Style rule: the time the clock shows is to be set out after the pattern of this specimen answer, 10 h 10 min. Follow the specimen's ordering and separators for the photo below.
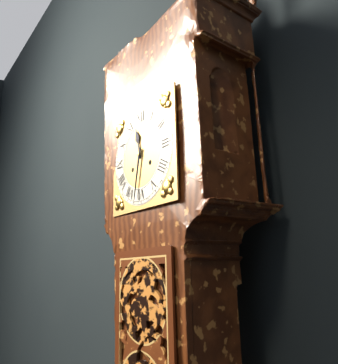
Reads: 11 h 32 min
